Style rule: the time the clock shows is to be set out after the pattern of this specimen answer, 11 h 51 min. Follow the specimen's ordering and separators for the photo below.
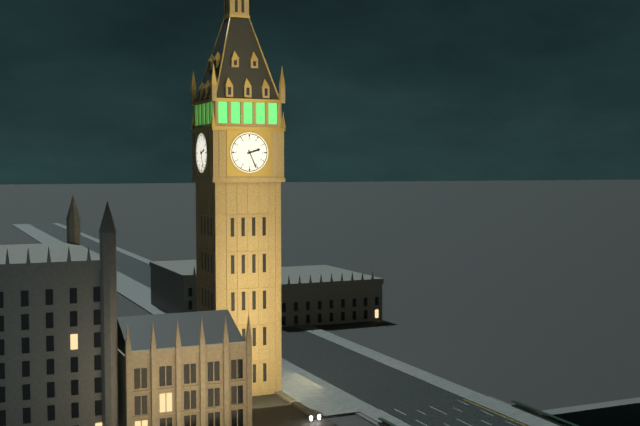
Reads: 2 h 26 min
